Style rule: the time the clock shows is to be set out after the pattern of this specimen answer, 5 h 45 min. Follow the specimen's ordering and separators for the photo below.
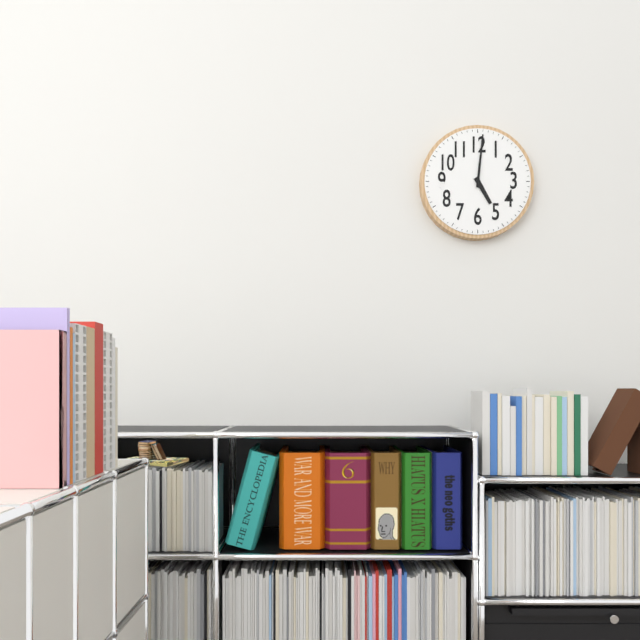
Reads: 5 h 01 min
